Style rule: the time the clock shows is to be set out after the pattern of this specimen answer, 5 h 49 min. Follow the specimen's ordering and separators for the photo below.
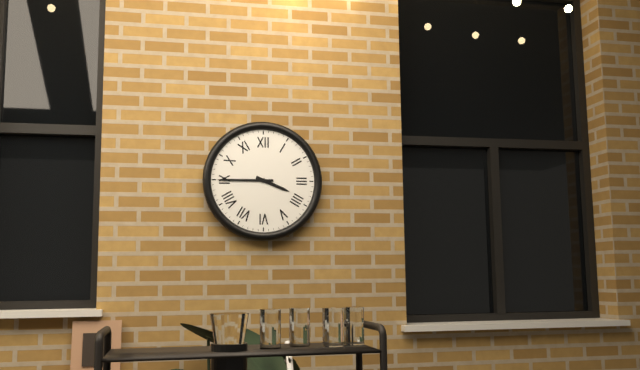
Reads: 3 h 45 min
